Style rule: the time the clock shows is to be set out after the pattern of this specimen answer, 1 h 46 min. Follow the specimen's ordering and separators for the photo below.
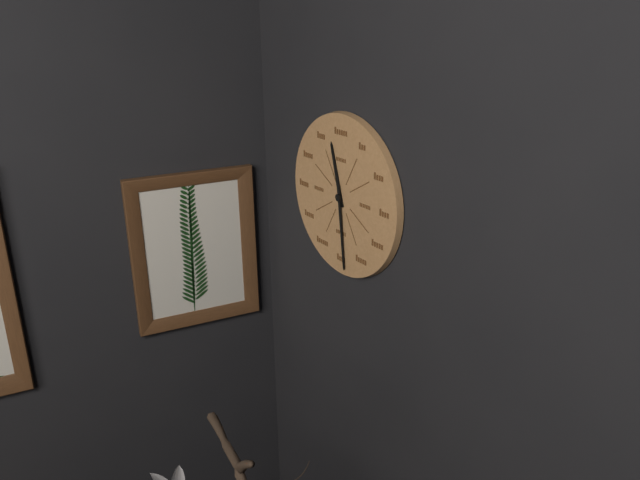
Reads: 11 h 29 min
